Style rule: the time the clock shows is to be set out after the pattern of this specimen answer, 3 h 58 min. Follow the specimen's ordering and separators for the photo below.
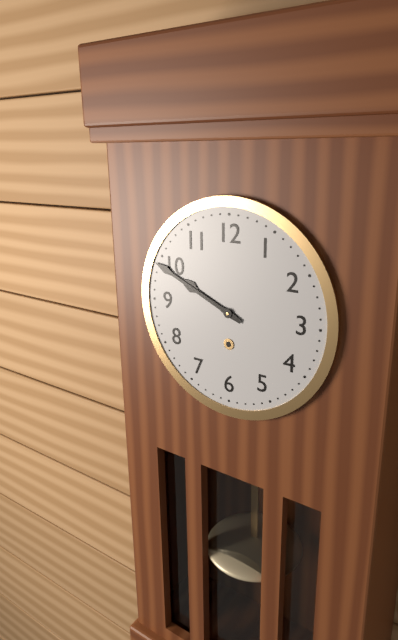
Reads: 9 h 49 min
